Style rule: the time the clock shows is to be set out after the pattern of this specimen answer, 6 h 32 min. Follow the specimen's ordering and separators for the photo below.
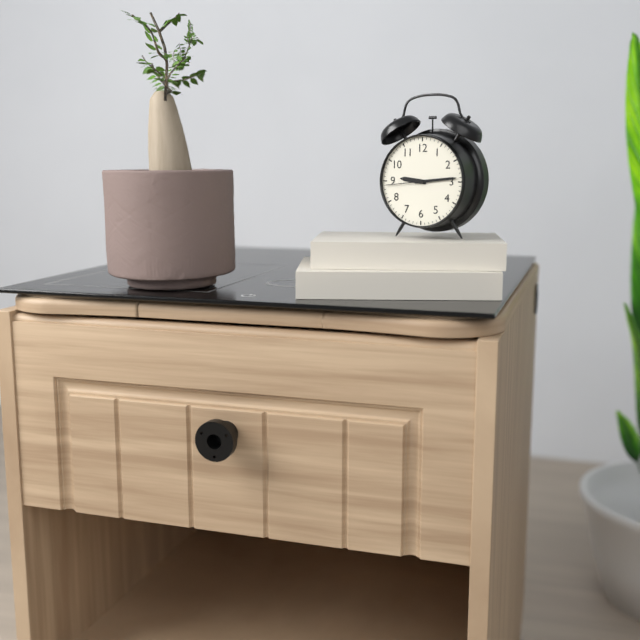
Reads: 9 h 14 min
